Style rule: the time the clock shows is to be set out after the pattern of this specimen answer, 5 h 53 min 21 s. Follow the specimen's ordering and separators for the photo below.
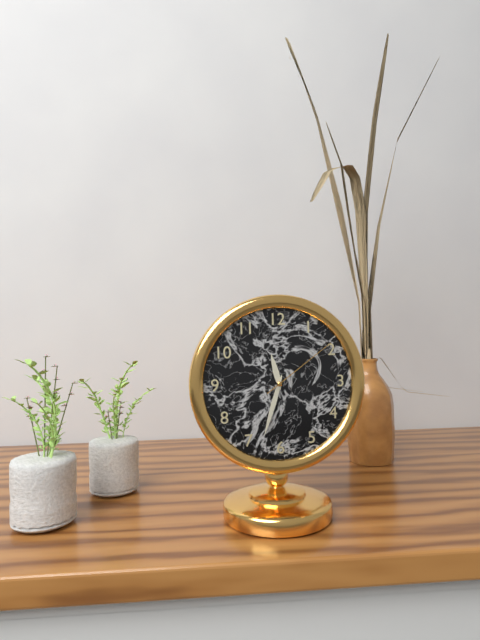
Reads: 11 h 33 min 09 s
